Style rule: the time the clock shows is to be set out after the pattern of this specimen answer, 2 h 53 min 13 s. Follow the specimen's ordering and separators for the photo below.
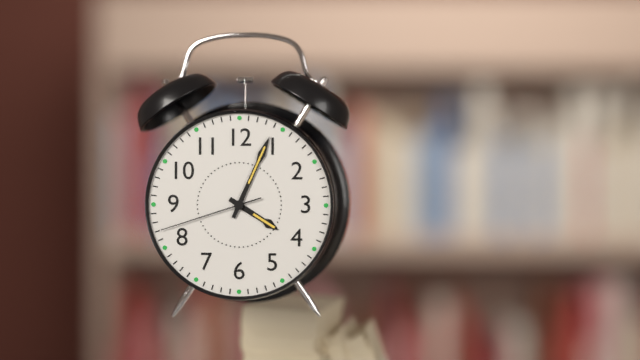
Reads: 4 h 04 min 42 s
